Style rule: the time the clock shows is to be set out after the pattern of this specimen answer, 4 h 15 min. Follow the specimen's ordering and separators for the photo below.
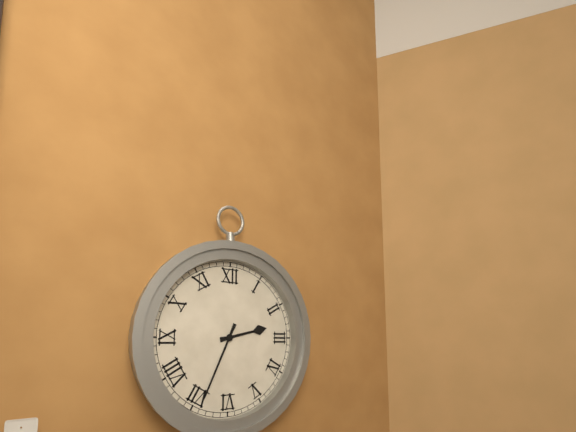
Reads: 2 h 34 min
